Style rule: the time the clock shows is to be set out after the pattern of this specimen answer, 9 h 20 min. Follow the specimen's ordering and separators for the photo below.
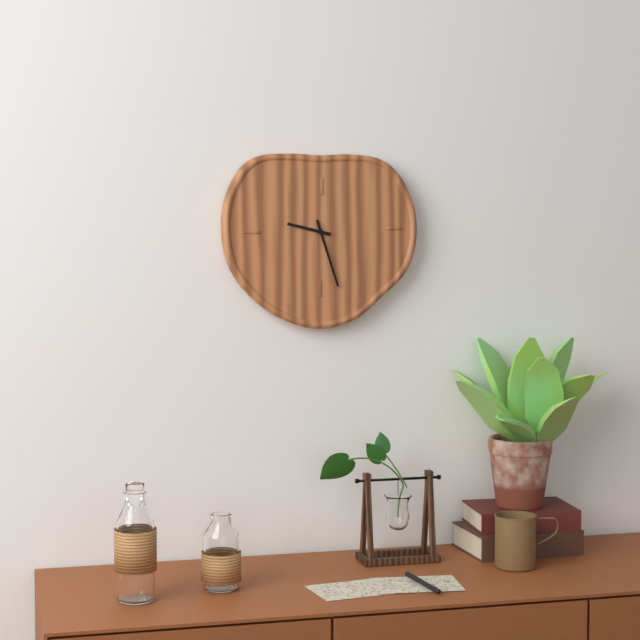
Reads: 9 h 27 min
